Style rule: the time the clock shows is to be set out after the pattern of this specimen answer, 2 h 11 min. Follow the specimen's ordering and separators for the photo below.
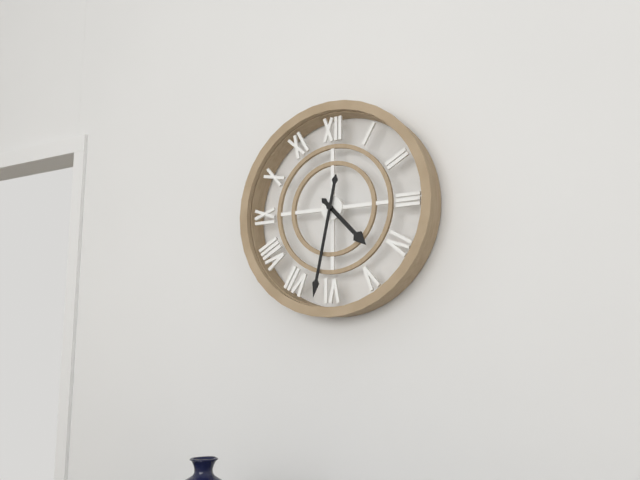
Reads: 4 h 32 min
